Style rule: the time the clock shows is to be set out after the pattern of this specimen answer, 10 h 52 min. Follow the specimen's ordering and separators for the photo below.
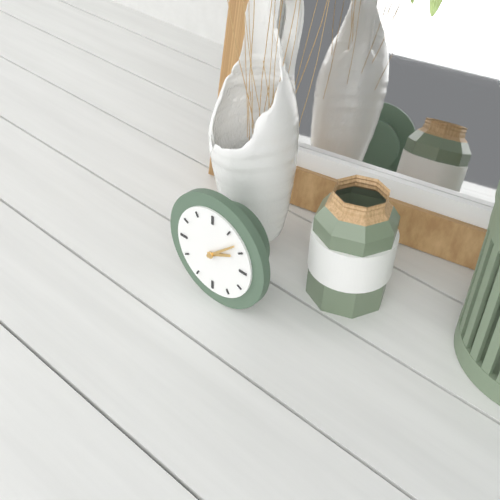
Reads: 2 h 08 min
